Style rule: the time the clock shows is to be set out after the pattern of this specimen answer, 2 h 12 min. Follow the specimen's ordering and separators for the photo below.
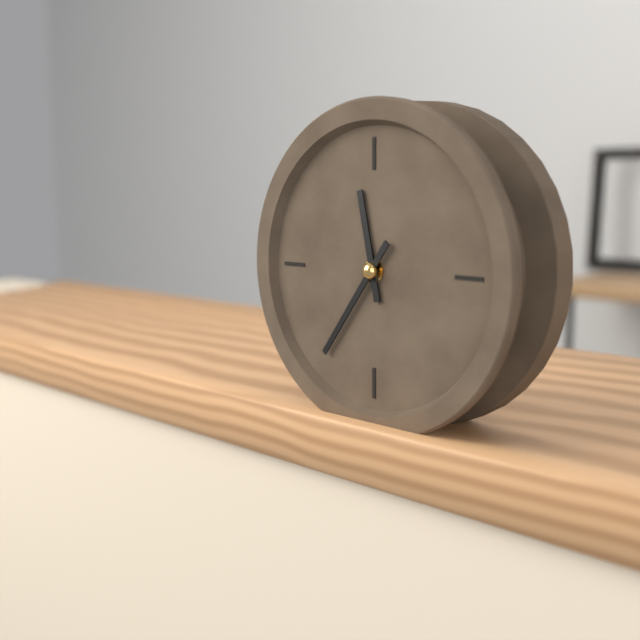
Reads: 11 h 36 min
